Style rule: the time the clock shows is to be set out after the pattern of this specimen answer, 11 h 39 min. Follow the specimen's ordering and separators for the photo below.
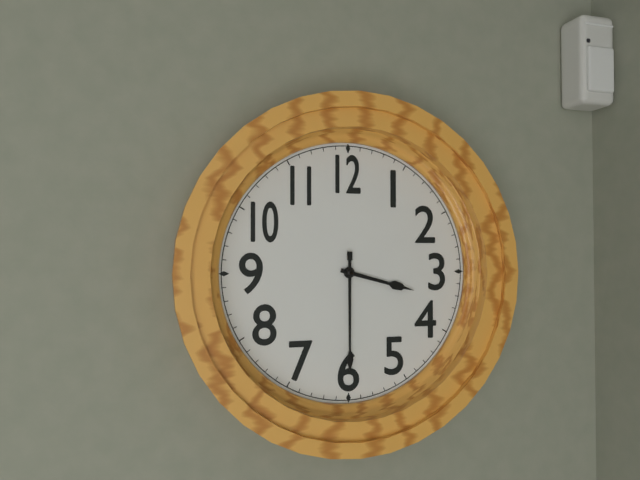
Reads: 3 h 30 min
